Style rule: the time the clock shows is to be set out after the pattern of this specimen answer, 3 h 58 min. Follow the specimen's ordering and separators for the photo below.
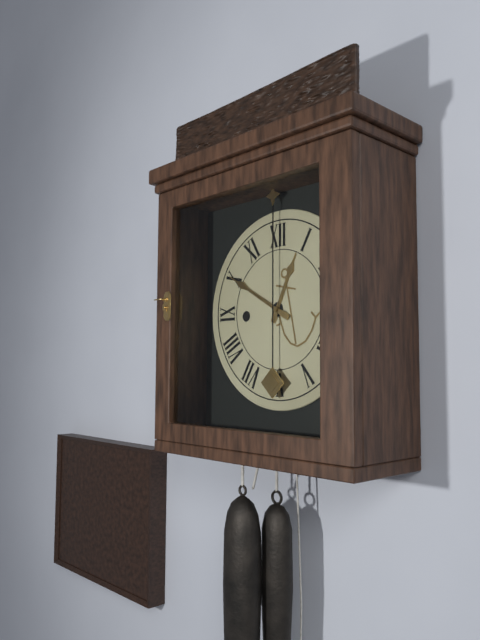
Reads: 12 h 50 min
